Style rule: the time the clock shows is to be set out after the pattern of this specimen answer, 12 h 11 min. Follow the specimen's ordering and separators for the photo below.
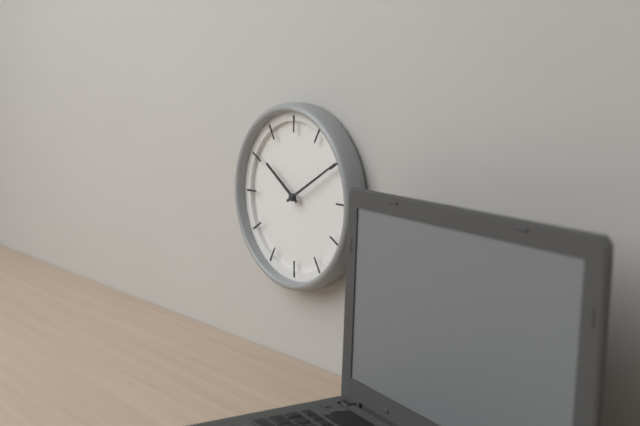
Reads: 10 h 10 min
